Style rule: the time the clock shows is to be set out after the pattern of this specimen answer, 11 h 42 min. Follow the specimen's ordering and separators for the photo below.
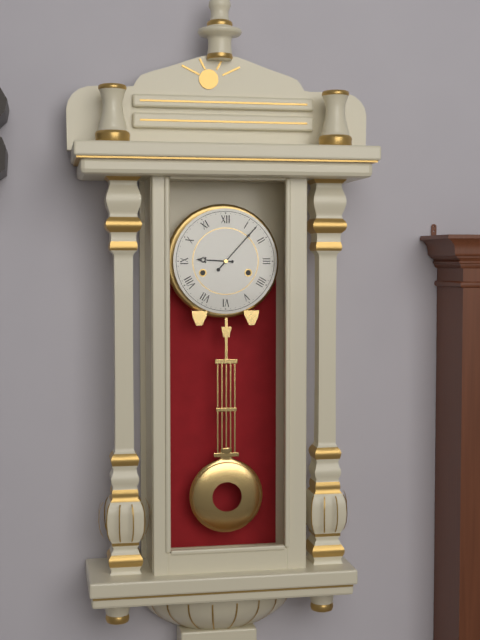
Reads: 9 h 07 min
